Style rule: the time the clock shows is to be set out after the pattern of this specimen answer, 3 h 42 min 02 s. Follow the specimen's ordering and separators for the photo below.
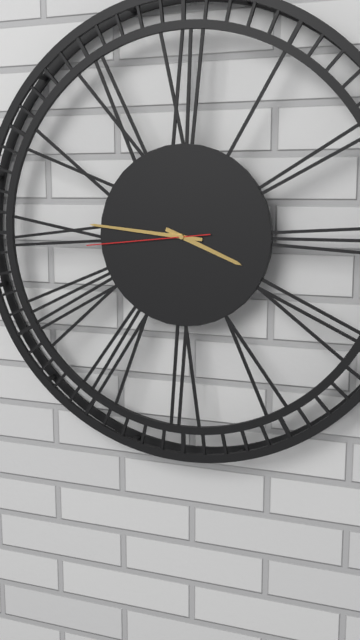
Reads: 3 h 46 min 44 s
